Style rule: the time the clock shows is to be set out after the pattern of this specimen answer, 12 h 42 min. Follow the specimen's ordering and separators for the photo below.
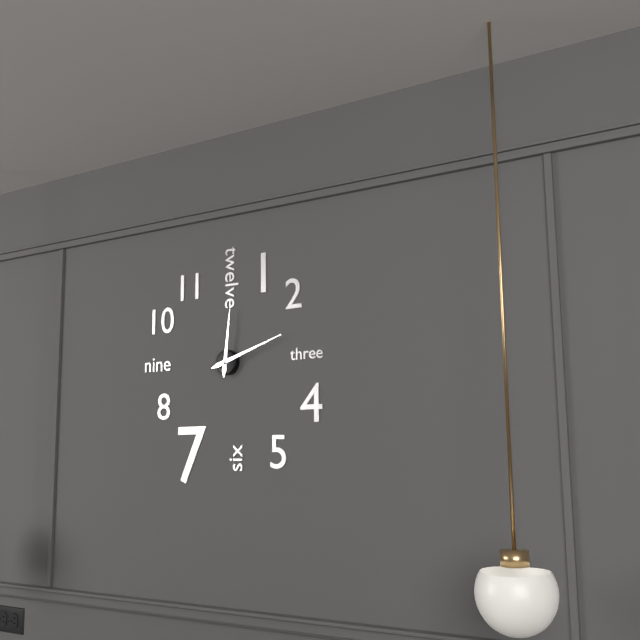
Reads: 12 h 12 min
